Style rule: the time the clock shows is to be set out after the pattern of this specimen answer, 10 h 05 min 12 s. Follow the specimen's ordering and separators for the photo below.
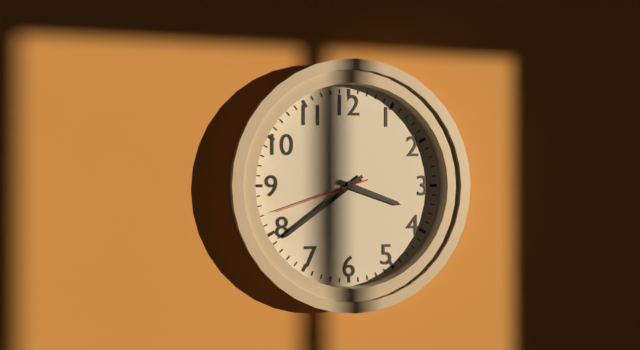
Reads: 3 h 39 min 42 s
